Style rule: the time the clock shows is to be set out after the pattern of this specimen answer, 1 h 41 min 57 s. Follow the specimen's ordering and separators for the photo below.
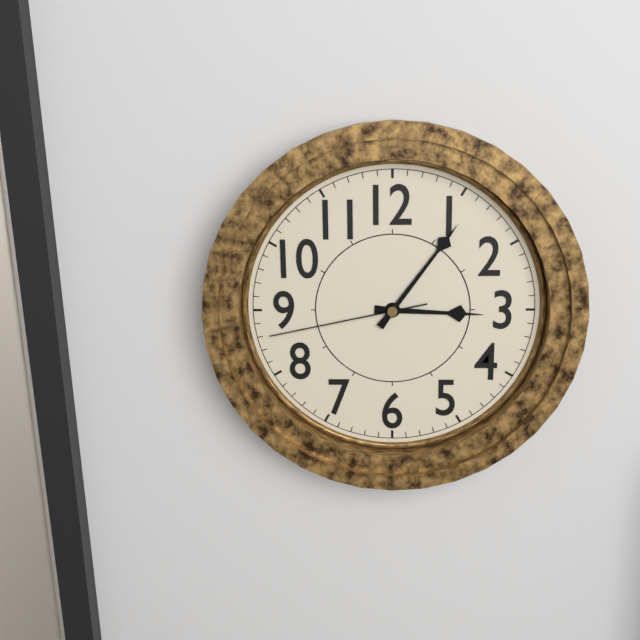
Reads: 3 h 06 min 43 s
